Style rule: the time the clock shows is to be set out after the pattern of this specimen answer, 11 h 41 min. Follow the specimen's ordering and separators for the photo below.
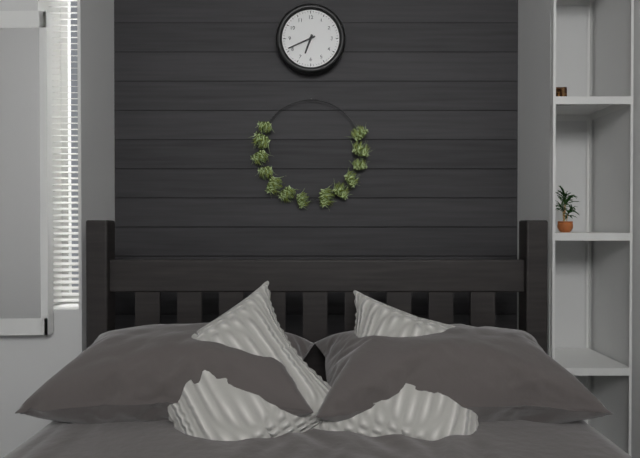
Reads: 6 h 41 min
